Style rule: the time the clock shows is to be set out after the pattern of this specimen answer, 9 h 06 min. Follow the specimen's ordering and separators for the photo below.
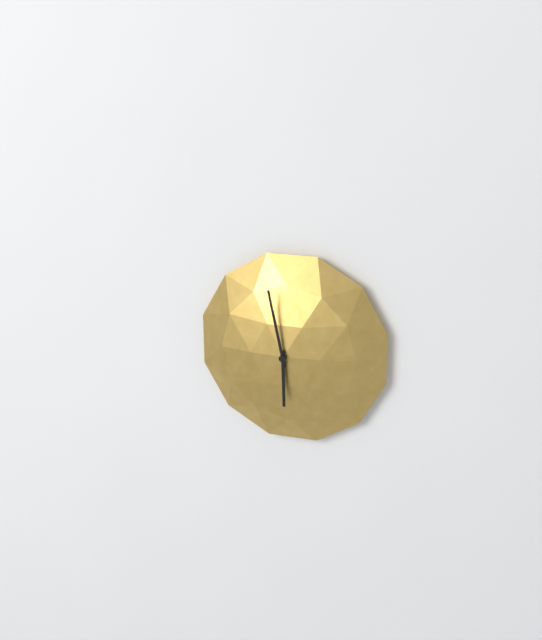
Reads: 5 h 58 min
